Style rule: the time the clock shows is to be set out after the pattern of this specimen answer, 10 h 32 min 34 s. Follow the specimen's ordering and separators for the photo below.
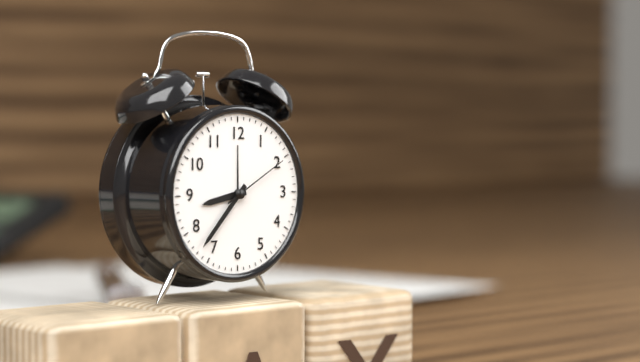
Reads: 8 h 37 min 10 s
